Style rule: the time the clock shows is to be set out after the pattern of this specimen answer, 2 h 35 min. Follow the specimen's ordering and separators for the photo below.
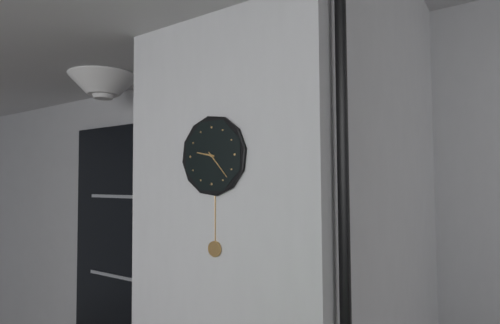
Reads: 9 h 23 min
